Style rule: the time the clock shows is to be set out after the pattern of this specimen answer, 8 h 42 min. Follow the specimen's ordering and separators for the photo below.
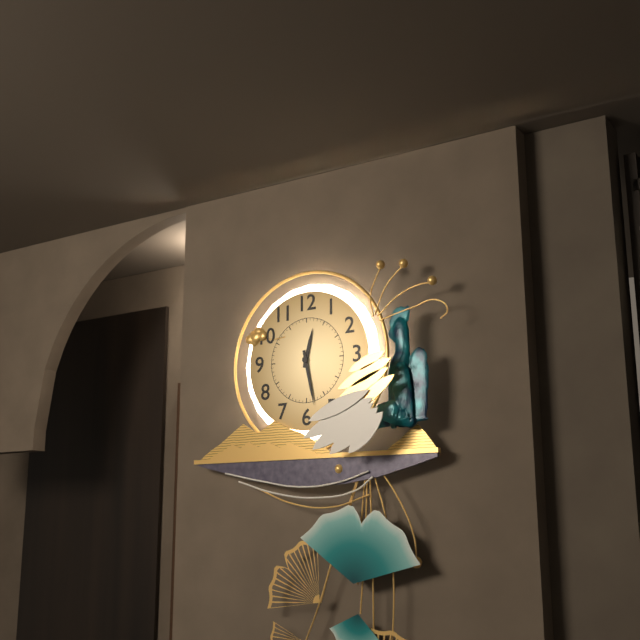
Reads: 12 h 28 min
